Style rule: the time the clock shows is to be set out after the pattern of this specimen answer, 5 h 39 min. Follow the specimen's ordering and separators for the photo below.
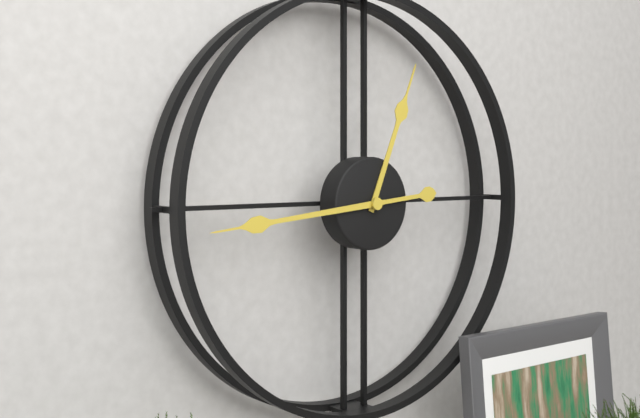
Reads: 12 h 44 min
